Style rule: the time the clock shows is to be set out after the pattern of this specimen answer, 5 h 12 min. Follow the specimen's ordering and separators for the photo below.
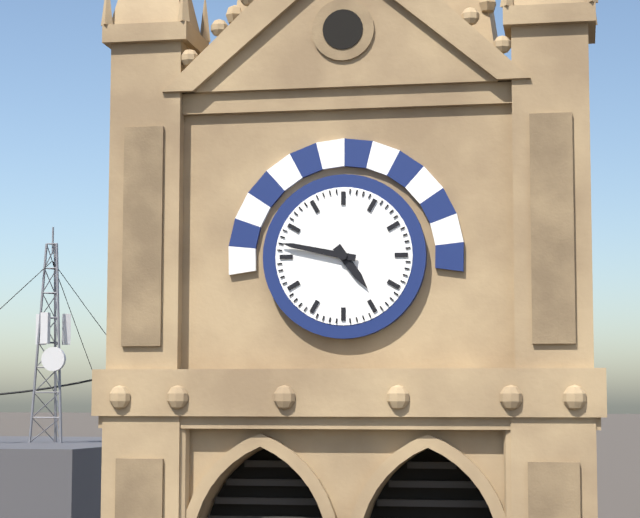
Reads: 4 h 47 min
